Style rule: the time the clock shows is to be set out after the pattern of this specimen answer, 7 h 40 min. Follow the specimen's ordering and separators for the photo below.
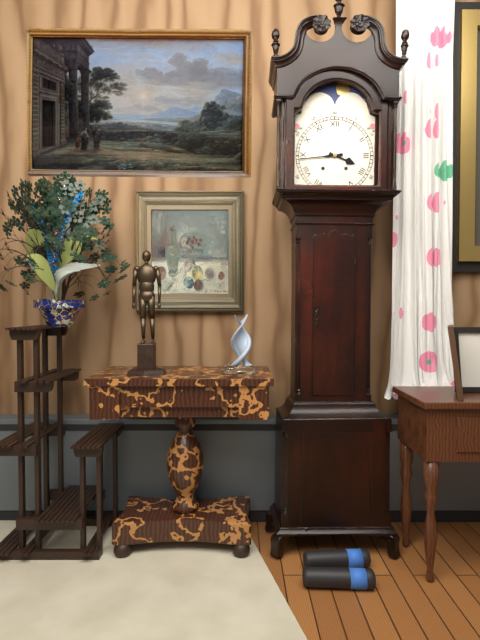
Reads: 3 h 44 min
